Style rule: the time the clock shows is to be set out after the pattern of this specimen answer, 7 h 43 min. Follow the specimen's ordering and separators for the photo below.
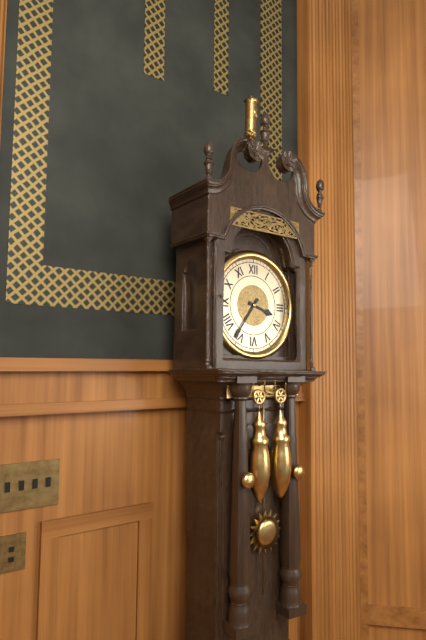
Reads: 3 h 36 min
